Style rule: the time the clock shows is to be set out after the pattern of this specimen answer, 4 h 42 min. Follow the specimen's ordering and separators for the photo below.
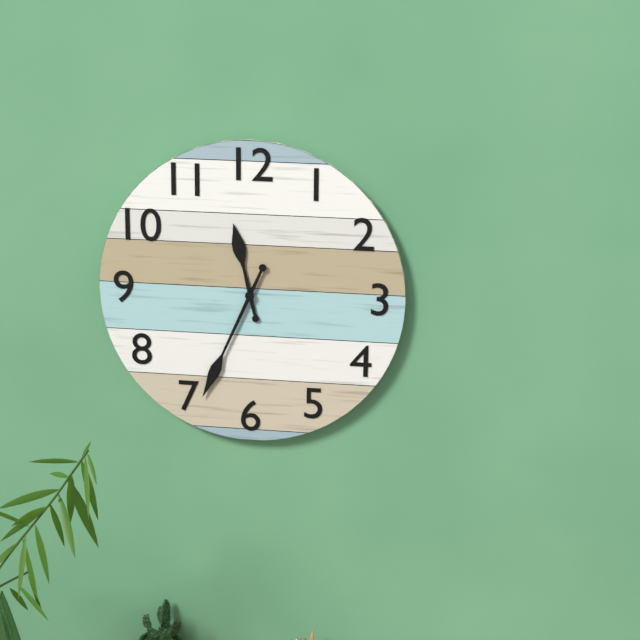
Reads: 11 h 34 min
